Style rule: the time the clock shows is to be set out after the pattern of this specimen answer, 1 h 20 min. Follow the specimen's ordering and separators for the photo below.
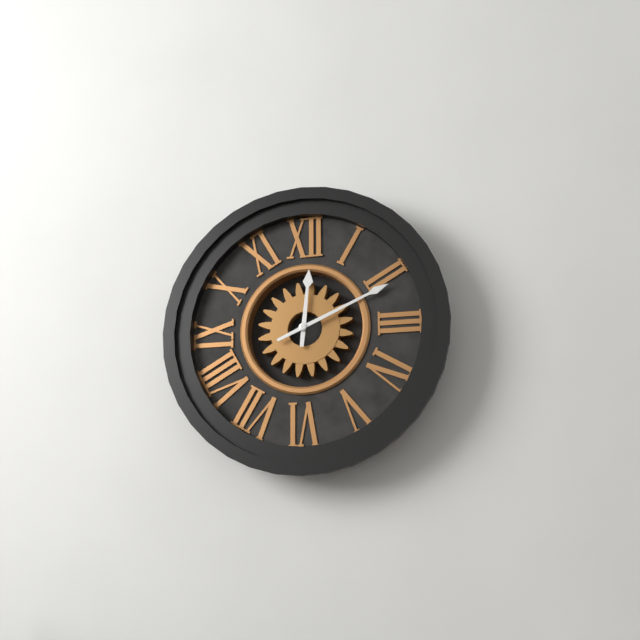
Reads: 12 h 11 min
